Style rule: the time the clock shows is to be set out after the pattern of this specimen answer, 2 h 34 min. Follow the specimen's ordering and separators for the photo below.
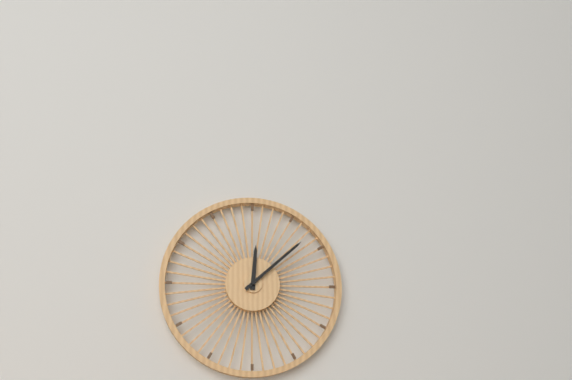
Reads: 12 h 08 min
